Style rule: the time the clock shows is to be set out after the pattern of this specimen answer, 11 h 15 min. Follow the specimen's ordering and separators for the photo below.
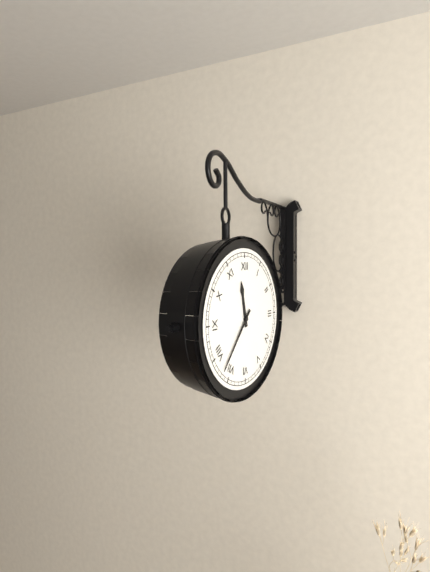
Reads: 11 h 37 min
